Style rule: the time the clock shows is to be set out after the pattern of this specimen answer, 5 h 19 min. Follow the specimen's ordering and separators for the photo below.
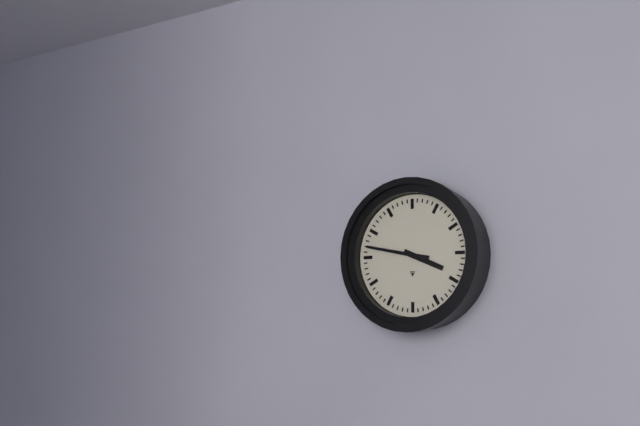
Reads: 3 h 47 min
